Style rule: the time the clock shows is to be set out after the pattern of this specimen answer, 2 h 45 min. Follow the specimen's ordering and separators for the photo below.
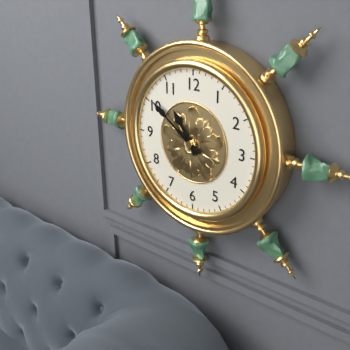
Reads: 10 h 51 min
